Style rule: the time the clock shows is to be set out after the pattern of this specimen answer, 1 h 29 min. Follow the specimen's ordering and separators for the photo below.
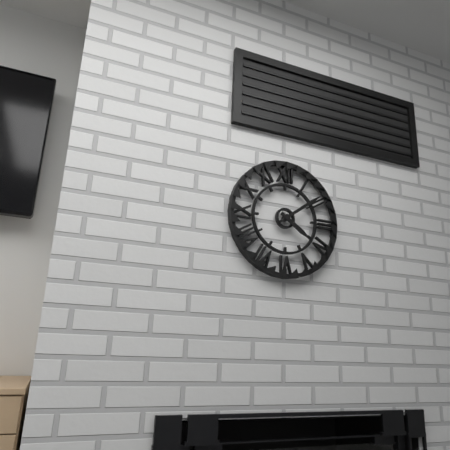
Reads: 4 h 09 min
